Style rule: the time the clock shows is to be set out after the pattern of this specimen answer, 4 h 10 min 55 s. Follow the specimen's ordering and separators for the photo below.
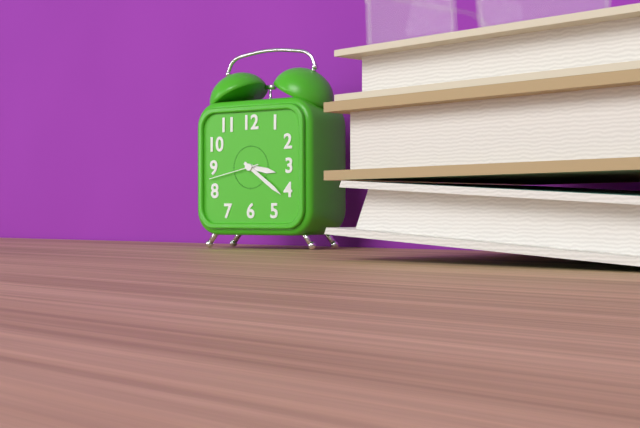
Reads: 3 h 21 min 43 s
